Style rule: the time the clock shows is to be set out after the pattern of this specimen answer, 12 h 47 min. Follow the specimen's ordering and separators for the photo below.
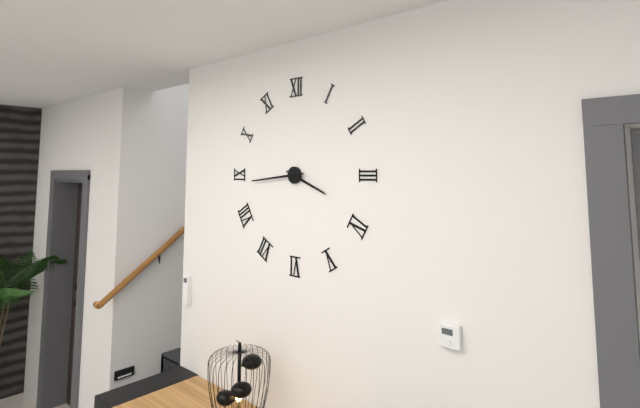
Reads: 3 h 44 min
